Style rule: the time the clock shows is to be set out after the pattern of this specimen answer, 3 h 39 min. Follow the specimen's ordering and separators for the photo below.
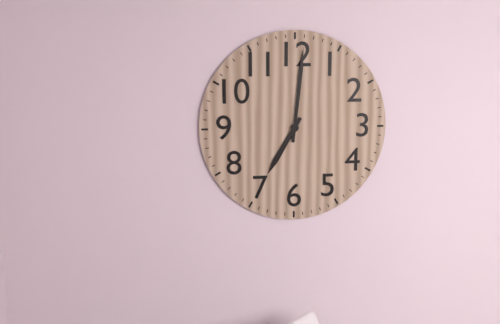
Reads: 7 h 01 min
